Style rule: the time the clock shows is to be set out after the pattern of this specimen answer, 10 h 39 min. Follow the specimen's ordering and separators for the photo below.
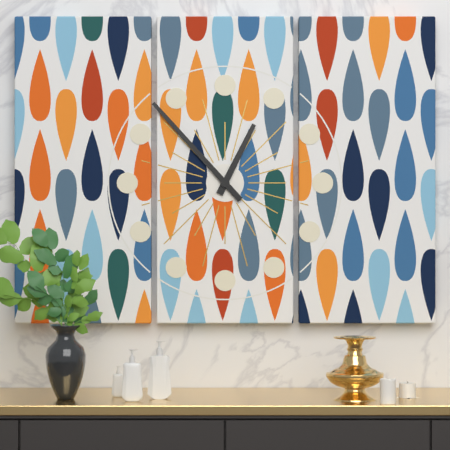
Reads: 12 h 53 min
